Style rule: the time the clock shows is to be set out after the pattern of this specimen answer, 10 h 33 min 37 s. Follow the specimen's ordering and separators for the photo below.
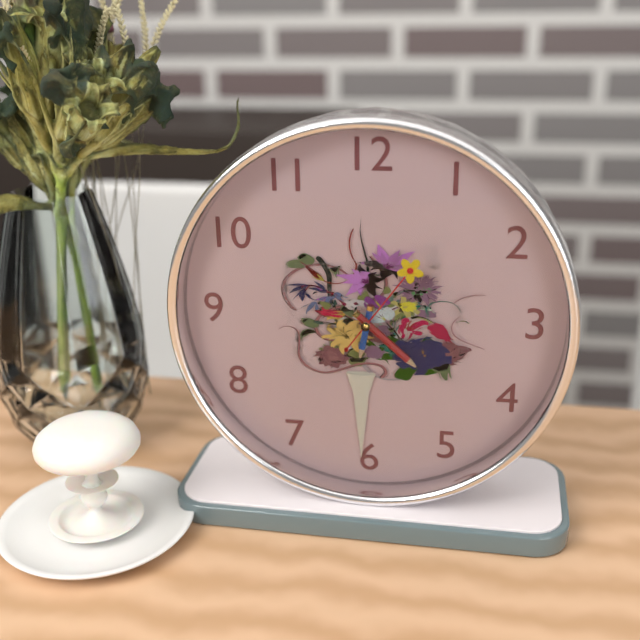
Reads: 6 h 22 min 06 s
